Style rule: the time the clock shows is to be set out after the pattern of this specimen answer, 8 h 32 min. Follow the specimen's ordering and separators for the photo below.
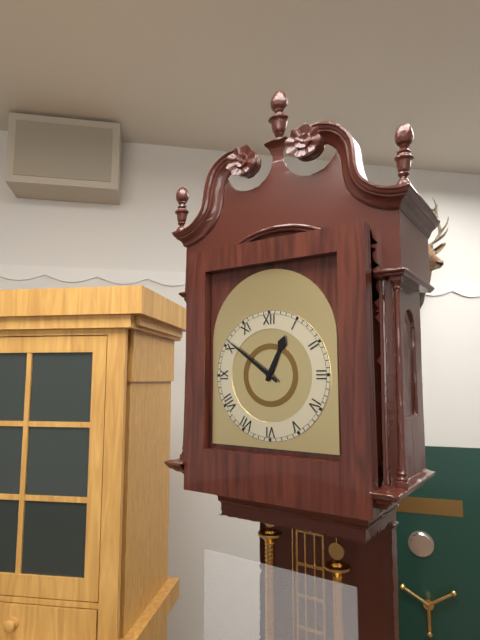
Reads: 12 h 51 min
